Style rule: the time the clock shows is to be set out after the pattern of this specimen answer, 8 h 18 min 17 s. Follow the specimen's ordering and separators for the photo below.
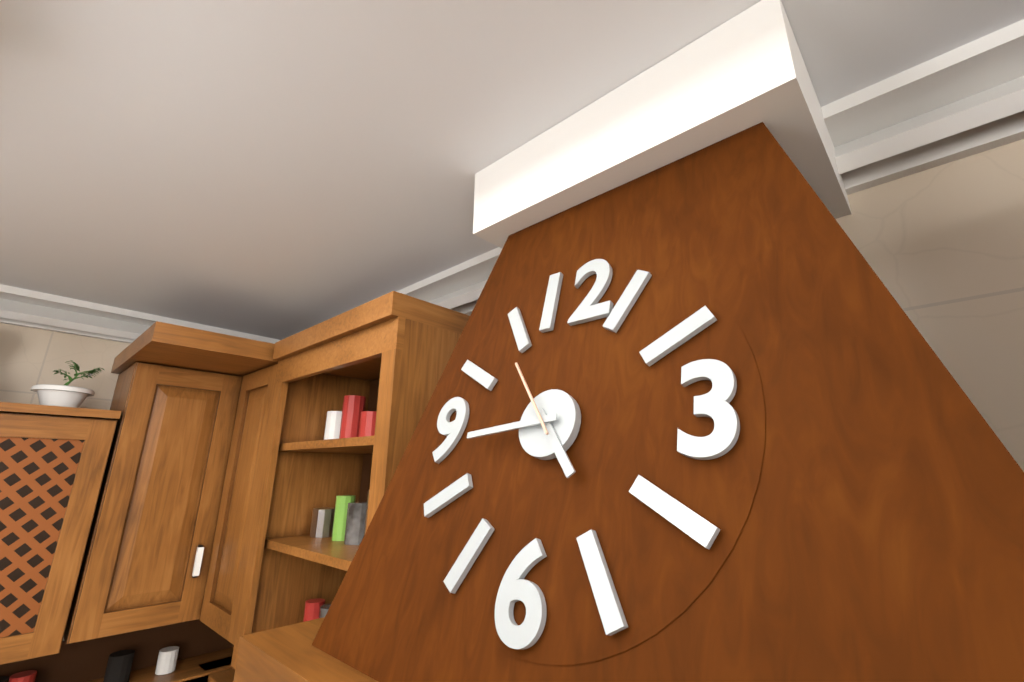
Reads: 4 h 44 min 54 s
